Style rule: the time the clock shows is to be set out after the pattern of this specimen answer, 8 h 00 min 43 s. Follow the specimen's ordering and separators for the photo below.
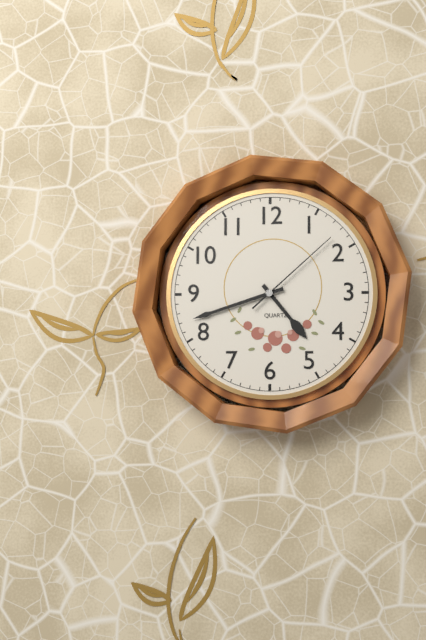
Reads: 4 h 42 min 08 s
